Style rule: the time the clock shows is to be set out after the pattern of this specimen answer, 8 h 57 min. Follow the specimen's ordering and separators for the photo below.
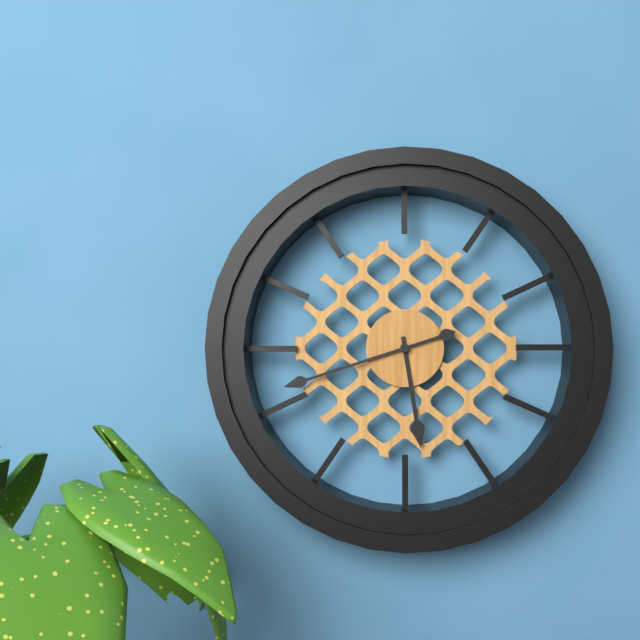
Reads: 5 h 42 min
